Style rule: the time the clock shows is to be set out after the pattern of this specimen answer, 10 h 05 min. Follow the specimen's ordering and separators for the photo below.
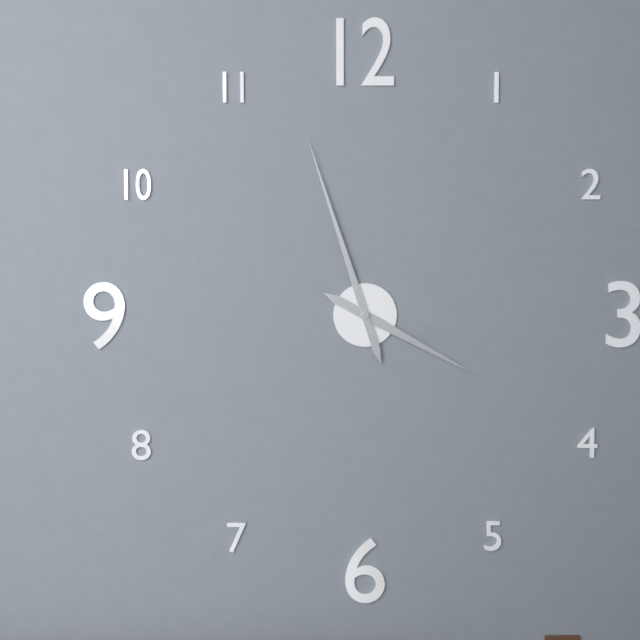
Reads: 3 h 57 min
